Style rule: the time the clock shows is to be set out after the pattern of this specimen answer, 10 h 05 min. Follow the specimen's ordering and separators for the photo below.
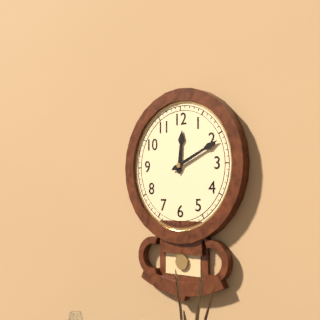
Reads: 12 h 11 min
